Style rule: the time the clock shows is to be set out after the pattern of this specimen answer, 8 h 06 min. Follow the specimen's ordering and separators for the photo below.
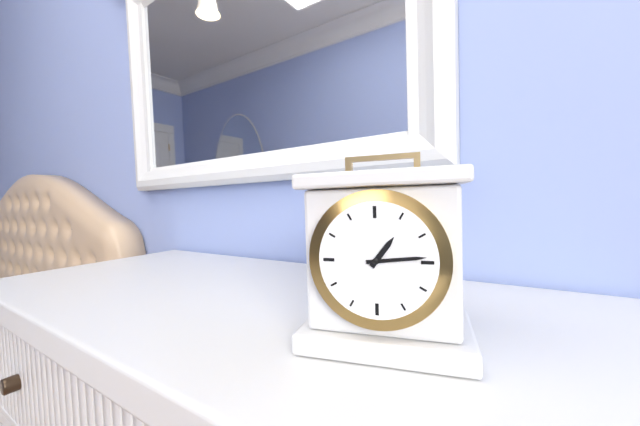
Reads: 1 h 14 min
